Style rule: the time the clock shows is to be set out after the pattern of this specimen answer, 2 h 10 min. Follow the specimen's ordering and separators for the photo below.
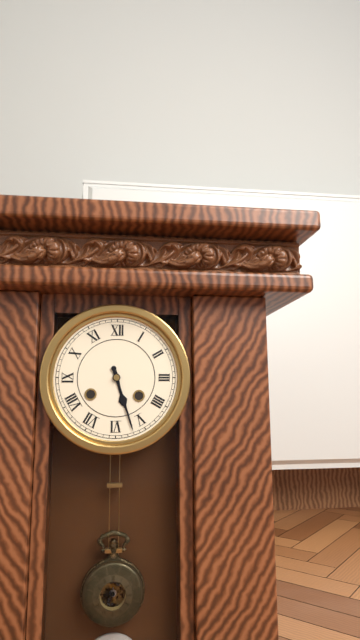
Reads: 5 h 27 min
